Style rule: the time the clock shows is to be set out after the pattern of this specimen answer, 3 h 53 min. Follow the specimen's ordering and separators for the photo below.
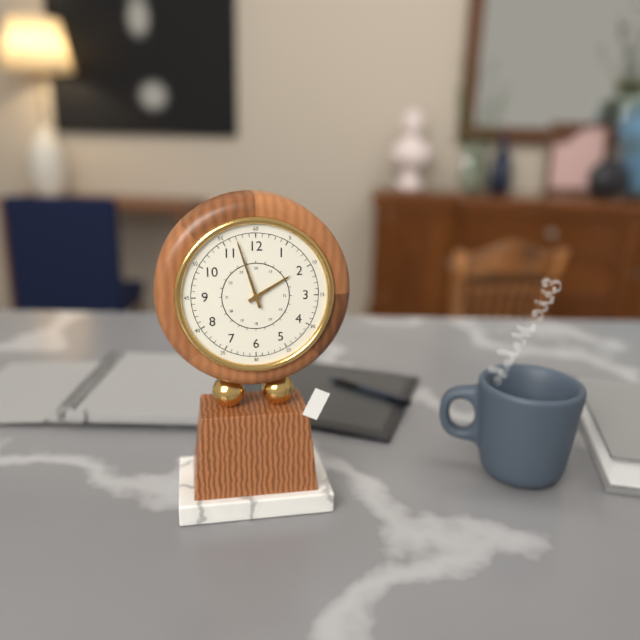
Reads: 1 h 57 min
